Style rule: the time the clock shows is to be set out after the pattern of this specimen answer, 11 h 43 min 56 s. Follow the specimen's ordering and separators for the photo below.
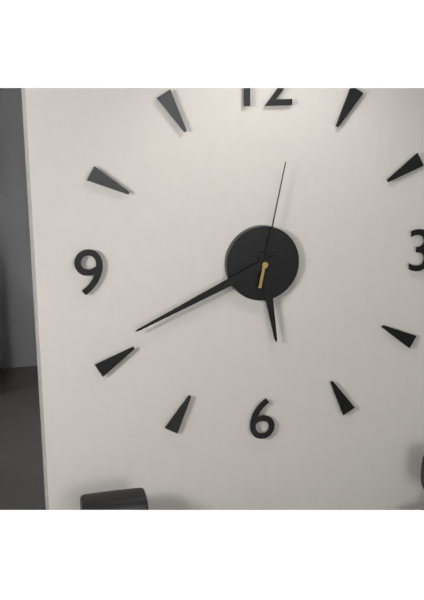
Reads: 5 h 41 min 02 s
